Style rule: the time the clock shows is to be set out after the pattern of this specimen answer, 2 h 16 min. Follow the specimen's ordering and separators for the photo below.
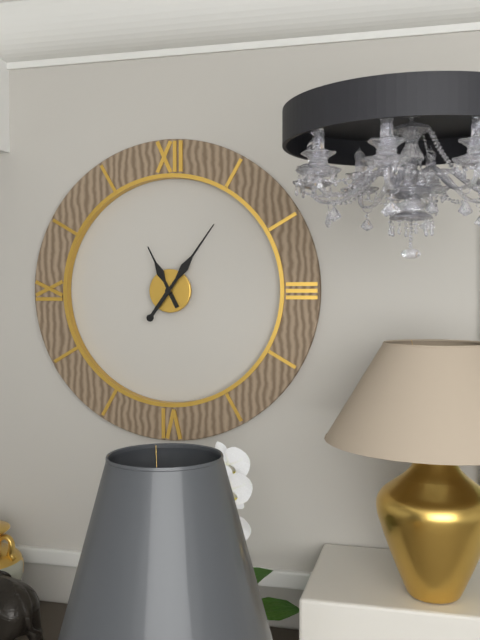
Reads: 11 h 06 min
